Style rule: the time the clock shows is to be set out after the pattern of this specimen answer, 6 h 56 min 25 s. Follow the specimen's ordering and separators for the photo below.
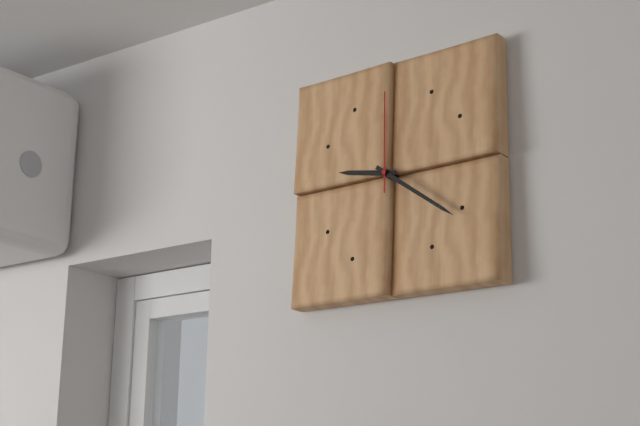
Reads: 9 h 21 min 00 s
